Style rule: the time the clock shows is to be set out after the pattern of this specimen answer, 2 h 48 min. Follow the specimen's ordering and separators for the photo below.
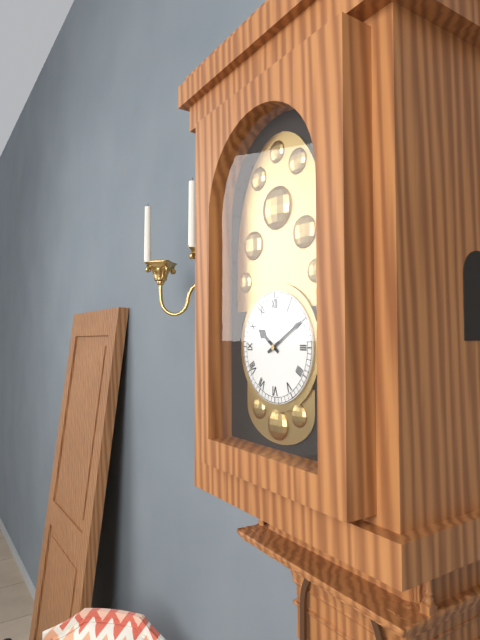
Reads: 10 h 10 min
